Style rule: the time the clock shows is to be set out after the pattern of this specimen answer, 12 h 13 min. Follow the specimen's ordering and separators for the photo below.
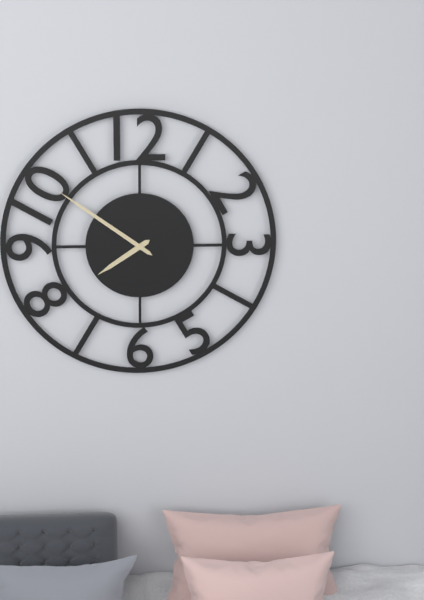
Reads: 7 h 51 min
